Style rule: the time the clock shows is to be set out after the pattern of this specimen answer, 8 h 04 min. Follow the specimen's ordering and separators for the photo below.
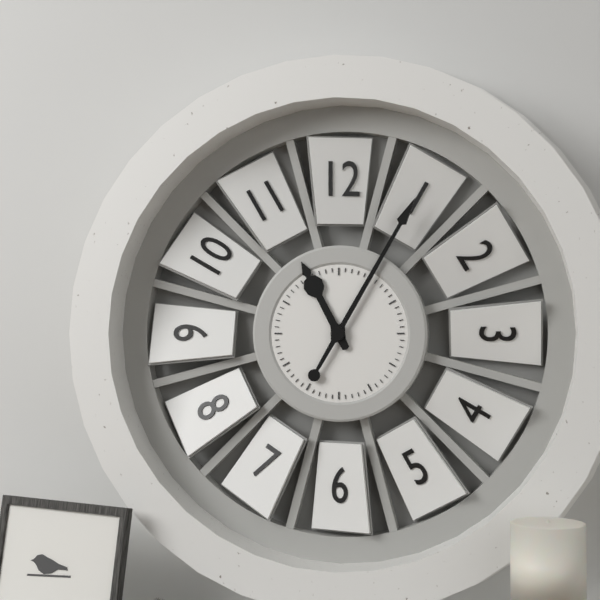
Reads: 11 h 05 min
